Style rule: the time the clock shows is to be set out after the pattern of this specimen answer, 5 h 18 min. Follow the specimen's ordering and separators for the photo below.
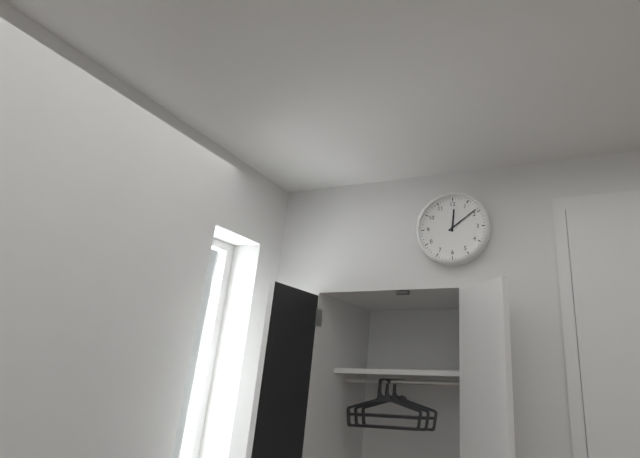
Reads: 12 h 09 min
